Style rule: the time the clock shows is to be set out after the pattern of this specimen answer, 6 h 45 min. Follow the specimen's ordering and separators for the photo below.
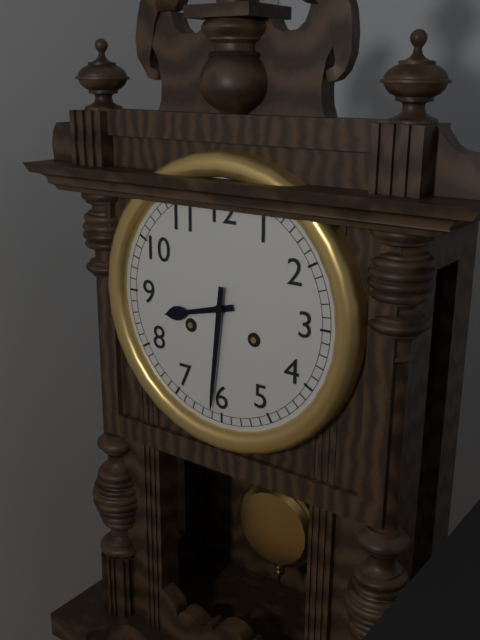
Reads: 8 h 31 min
